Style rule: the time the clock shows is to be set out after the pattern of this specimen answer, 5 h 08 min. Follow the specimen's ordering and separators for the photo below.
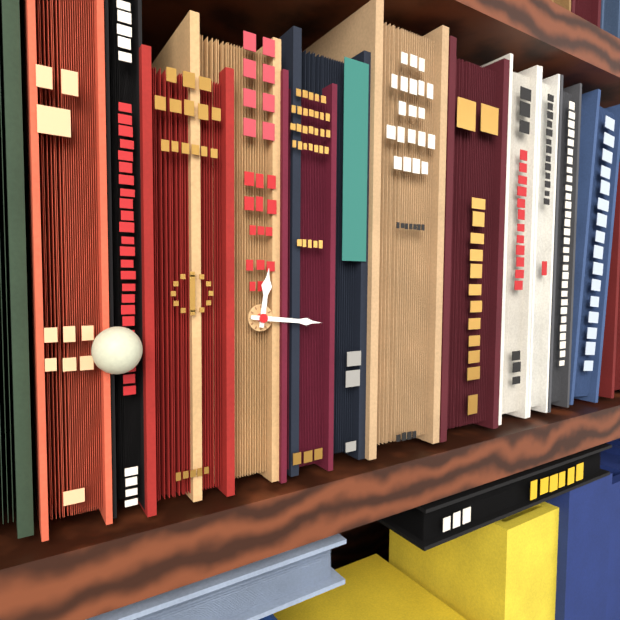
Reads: 12 h 16 min
